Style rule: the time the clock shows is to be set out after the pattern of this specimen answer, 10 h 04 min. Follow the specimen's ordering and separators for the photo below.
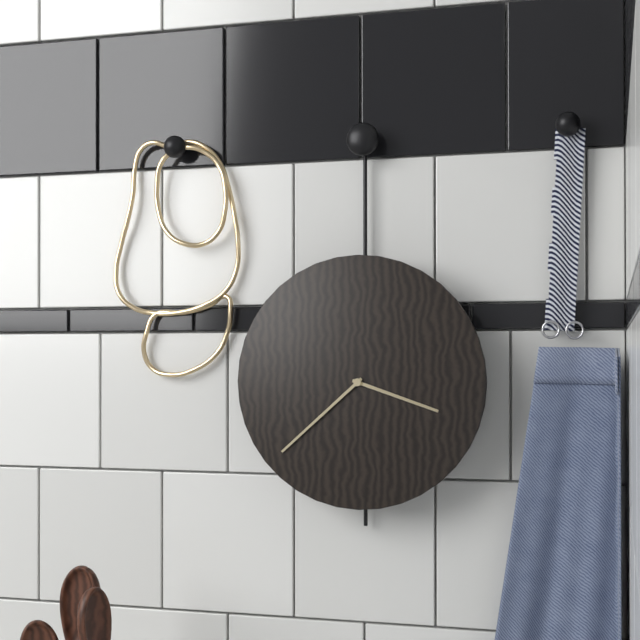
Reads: 3 h 38 min
